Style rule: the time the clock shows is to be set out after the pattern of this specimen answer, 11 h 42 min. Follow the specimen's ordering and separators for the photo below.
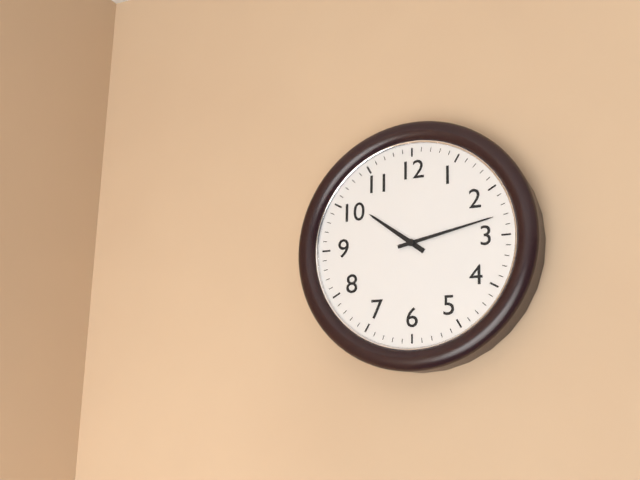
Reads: 10 h 13 min
